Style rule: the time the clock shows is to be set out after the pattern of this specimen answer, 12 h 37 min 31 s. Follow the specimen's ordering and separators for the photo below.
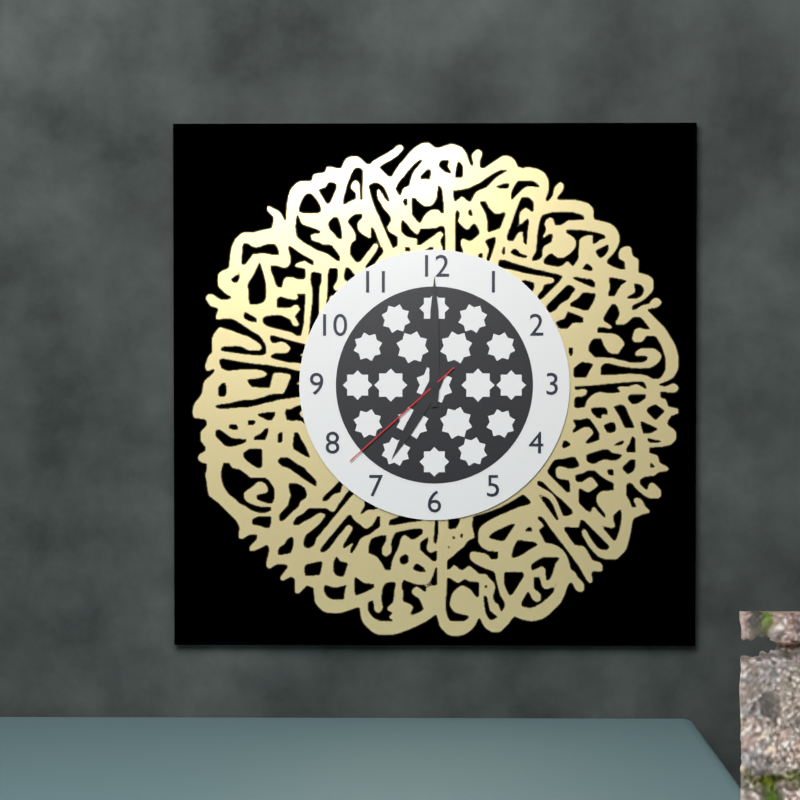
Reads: 7 h 00 min 38 s
